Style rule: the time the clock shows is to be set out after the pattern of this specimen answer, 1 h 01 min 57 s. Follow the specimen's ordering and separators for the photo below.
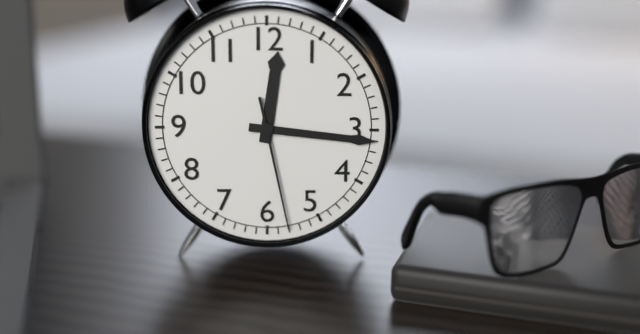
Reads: 12 h 16 min 28 s
